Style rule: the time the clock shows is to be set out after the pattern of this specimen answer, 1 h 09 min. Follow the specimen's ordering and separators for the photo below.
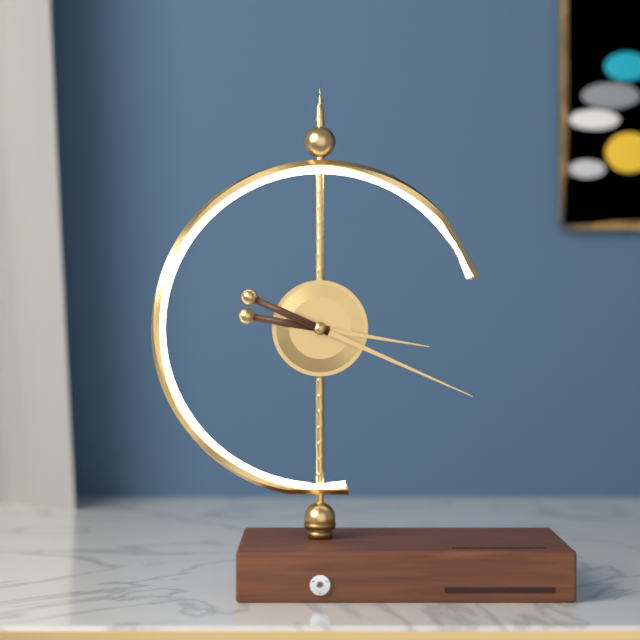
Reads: 3 h 19 min
